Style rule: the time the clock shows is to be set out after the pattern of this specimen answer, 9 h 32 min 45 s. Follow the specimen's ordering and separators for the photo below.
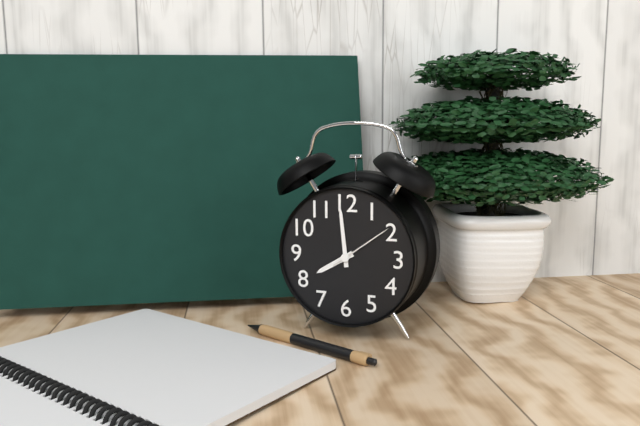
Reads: 7 h 59 min 09 s
